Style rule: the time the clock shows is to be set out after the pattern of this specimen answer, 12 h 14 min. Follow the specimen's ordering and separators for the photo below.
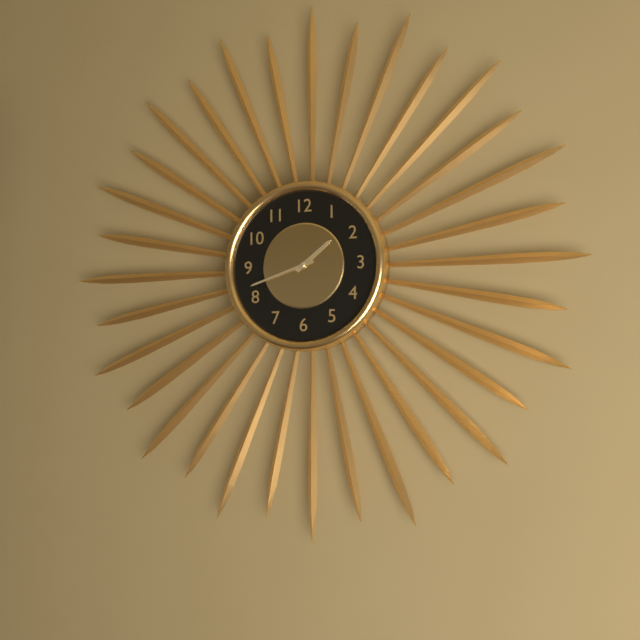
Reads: 1 h 42 min
